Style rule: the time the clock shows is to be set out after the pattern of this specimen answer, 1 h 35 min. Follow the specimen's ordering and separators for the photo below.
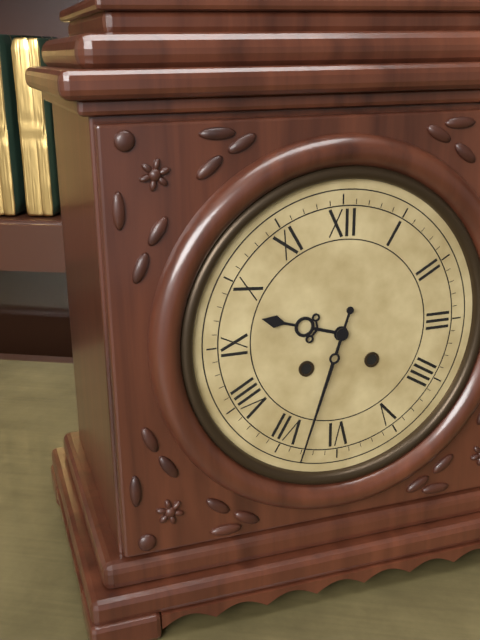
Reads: 9 h 33 min
